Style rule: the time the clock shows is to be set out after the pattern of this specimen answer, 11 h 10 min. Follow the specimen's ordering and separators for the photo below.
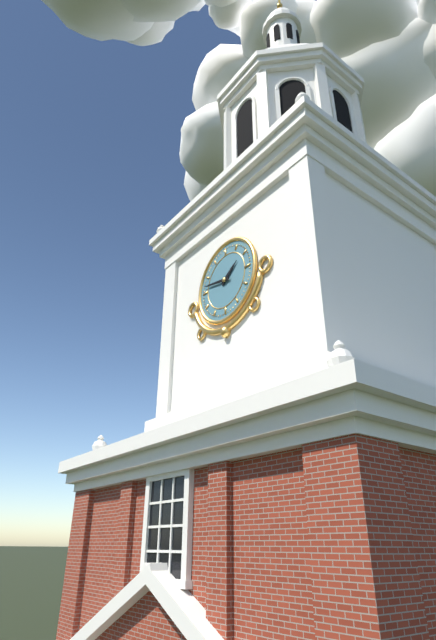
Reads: 1 h 47 min
